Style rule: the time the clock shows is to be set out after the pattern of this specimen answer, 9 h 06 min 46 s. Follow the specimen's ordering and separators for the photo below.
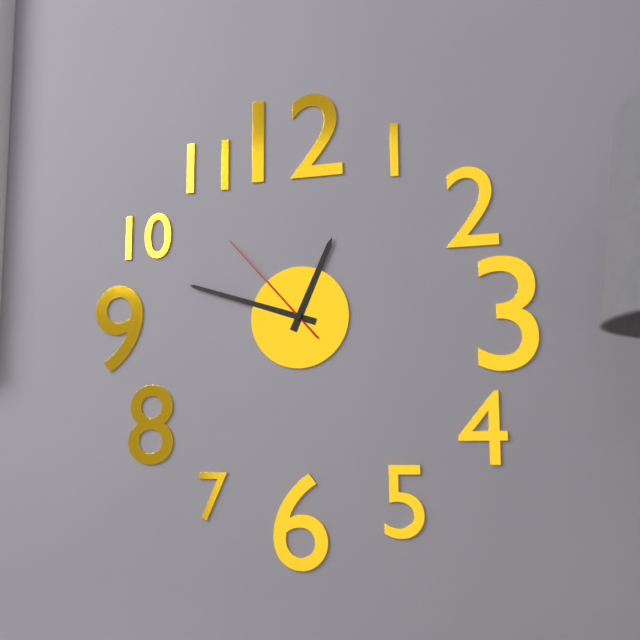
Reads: 12 h 48 min 53 s
